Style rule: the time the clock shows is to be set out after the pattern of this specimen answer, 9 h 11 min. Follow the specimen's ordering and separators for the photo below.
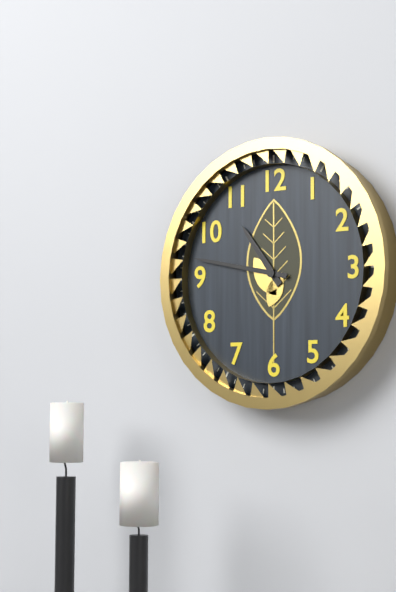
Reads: 10 h 47 min
